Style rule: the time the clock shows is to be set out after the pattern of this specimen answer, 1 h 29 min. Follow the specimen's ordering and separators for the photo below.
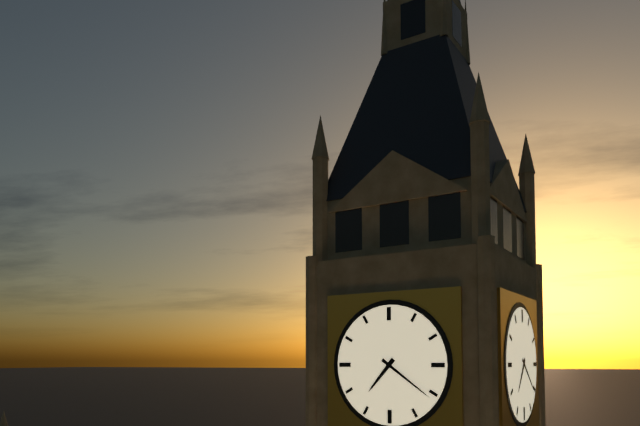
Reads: 7 h 21 min
